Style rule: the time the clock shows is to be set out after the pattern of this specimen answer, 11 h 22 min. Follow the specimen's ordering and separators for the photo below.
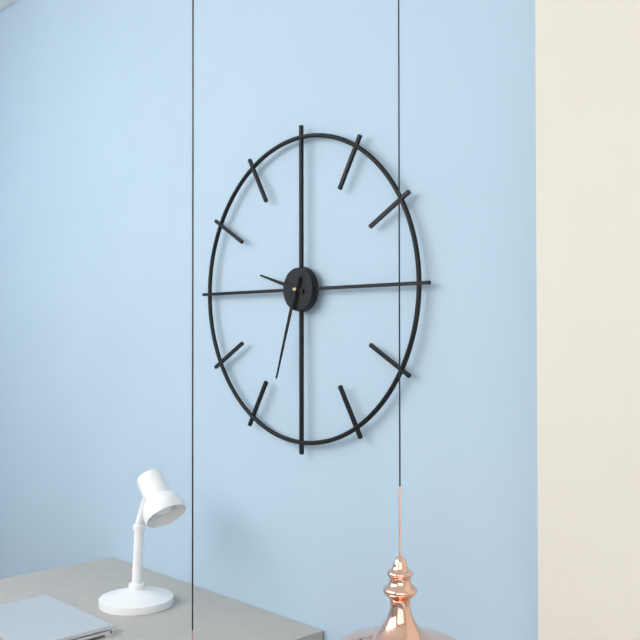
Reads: 9 h 33 min
